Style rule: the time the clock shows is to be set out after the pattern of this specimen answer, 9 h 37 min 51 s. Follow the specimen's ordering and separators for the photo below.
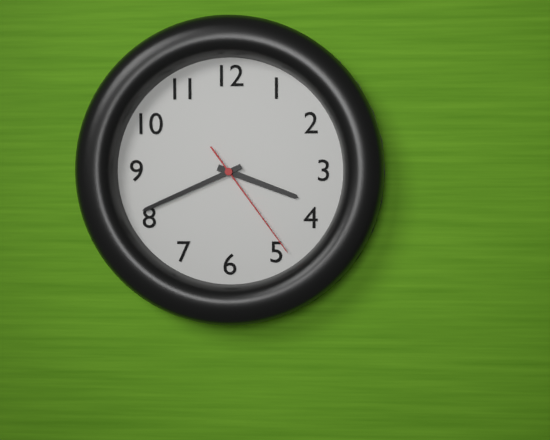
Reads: 3 h 41 min 24 s
